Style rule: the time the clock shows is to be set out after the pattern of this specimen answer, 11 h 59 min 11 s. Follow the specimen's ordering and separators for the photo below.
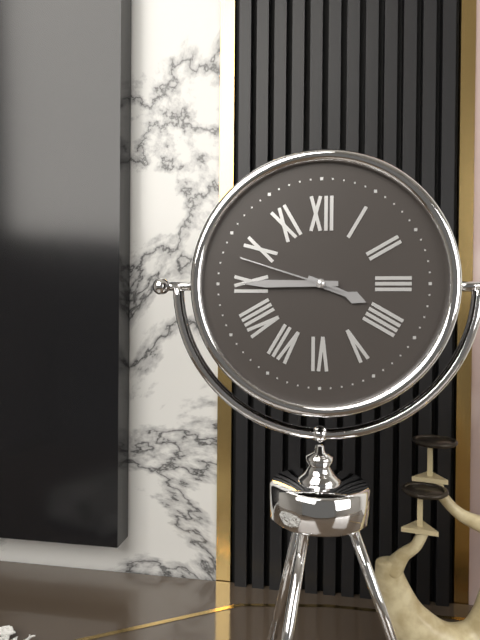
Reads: 3 h 45 min 48 s
